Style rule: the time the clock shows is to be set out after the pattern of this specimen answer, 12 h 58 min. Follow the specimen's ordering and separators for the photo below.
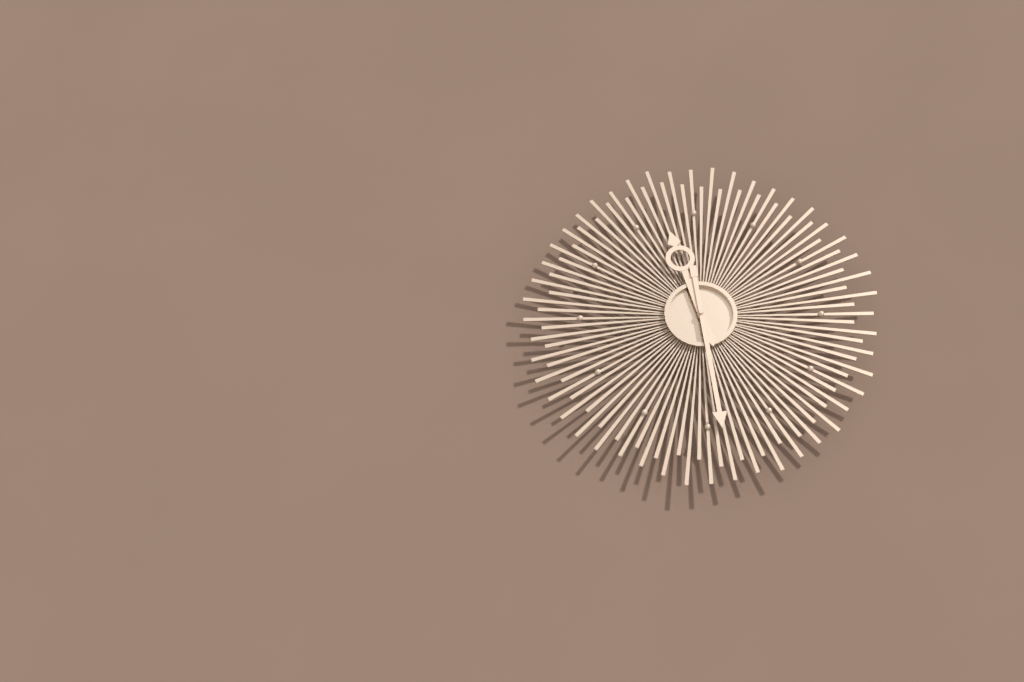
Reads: 11 h 29 min
